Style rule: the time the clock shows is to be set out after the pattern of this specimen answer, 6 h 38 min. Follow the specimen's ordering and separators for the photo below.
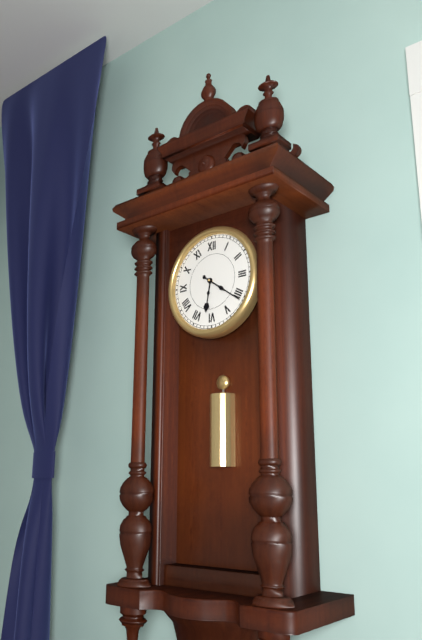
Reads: 6 h 21 min
